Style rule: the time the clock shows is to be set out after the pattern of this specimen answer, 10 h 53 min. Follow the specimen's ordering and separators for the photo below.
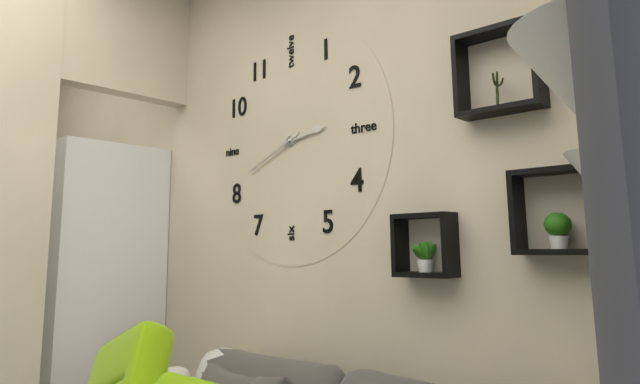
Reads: 2 h 41 min
